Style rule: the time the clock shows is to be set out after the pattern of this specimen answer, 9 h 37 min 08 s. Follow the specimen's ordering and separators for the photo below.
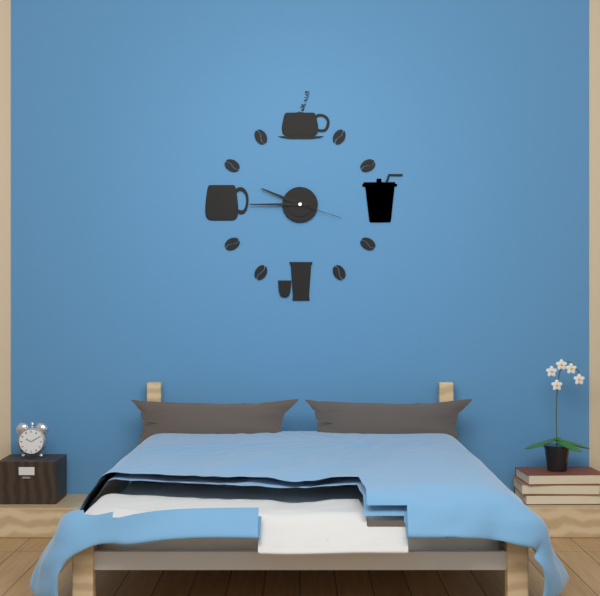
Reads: 9 h 45 min 18 s
